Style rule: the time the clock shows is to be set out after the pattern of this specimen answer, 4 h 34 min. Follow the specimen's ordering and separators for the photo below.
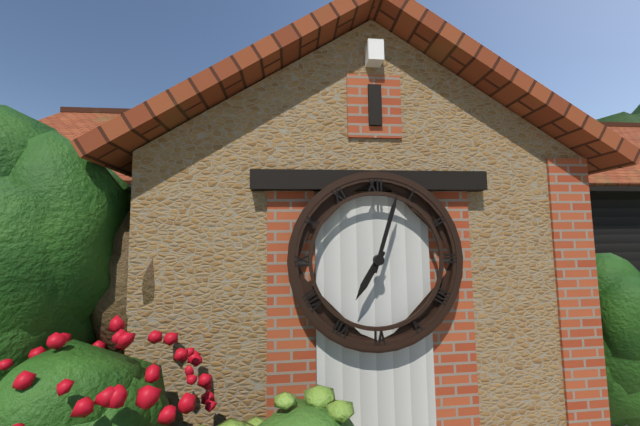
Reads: 7 h 03 min
